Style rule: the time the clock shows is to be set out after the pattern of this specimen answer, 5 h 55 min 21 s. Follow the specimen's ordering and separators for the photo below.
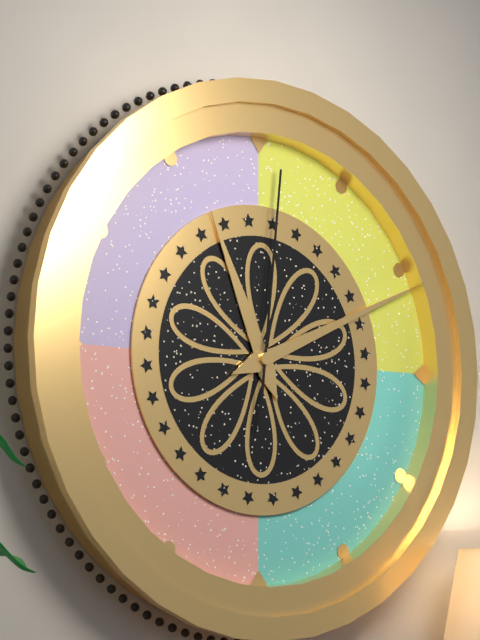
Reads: 11 h 11 min 01 s
